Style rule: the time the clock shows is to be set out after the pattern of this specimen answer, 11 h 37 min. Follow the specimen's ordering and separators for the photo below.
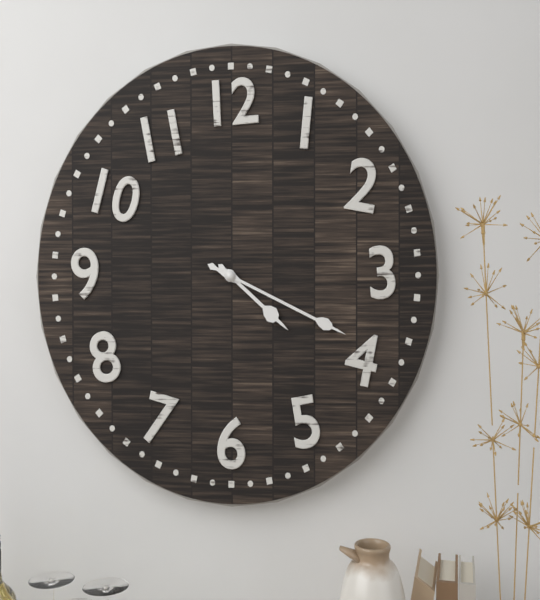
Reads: 4 h 19 min
